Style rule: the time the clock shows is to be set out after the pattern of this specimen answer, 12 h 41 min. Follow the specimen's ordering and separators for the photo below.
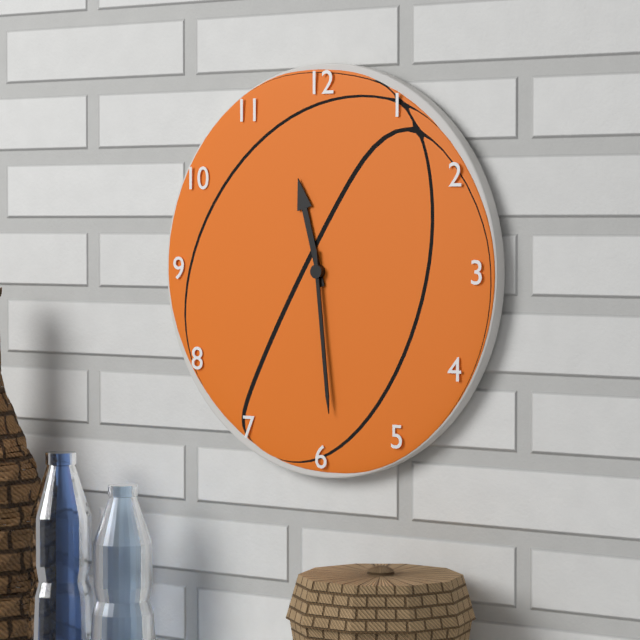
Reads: 11 h 29 min
